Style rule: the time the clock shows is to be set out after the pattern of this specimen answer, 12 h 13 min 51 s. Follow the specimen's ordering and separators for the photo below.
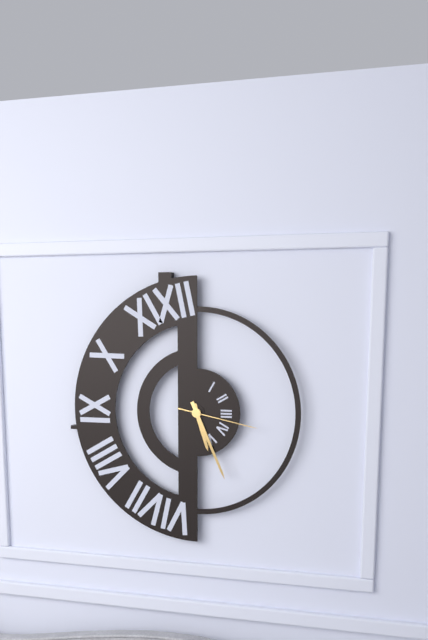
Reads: 5 h 26 min 17 s
